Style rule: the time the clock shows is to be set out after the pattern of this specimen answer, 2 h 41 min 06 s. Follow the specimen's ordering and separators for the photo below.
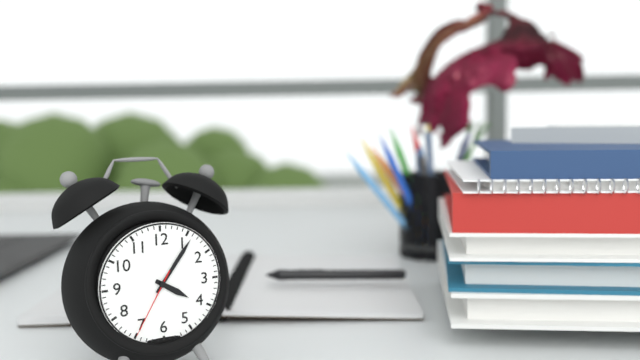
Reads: 4 h 06 min 35 s
